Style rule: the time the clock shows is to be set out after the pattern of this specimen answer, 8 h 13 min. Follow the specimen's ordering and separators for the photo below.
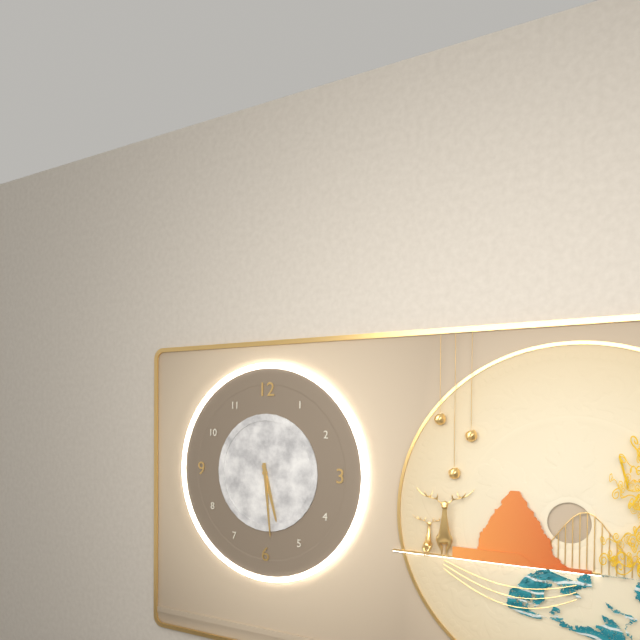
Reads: 5 h 29 min
